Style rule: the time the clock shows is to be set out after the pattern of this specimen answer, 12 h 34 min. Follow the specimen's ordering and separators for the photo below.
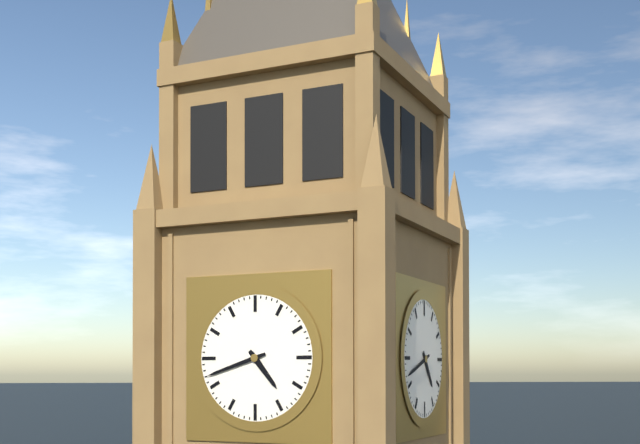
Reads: 4 h 42 min
